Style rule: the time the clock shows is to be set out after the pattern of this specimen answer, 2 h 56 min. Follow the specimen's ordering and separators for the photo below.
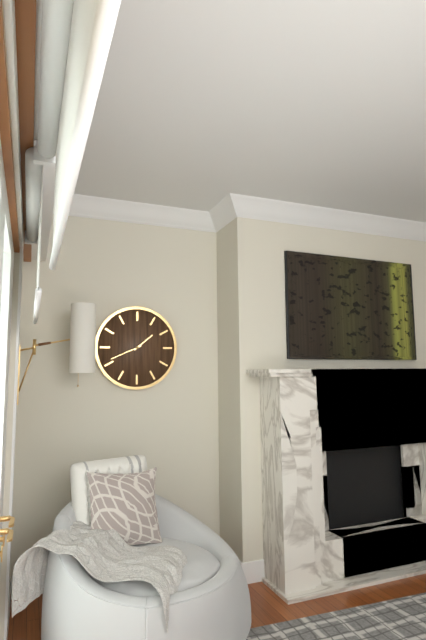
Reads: 1 h 41 min
